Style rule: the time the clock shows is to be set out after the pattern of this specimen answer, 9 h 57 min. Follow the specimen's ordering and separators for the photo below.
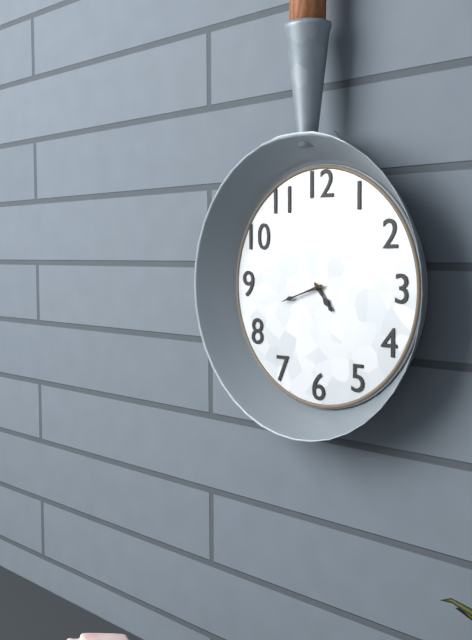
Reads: 4 h 42 min
